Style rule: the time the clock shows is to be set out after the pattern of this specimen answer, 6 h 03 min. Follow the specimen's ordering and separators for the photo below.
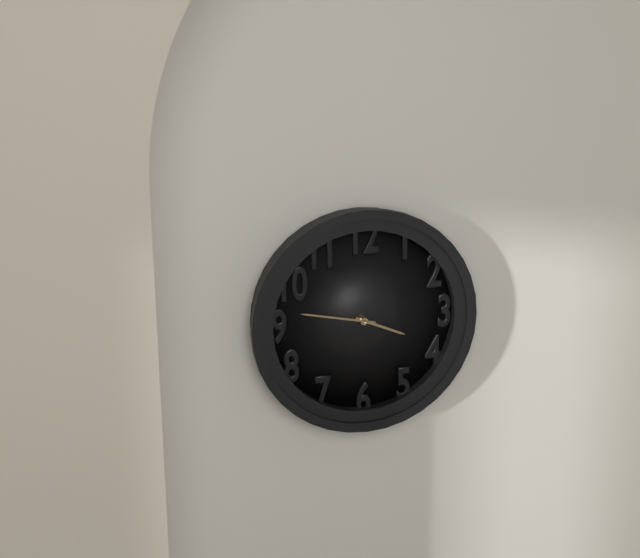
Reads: 3 h 47 min
